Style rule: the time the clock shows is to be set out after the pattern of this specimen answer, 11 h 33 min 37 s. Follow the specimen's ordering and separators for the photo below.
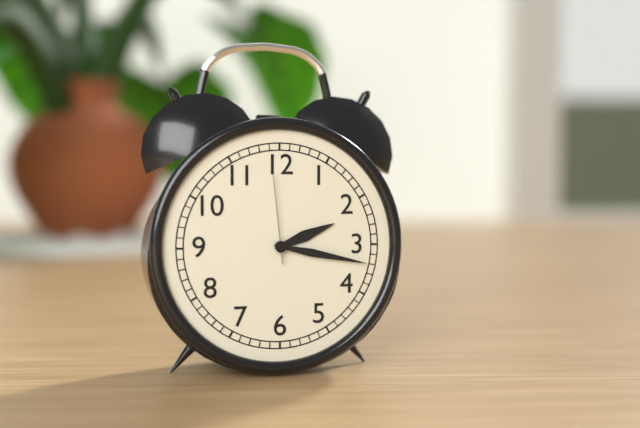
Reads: 2 h 17 min 59 s
